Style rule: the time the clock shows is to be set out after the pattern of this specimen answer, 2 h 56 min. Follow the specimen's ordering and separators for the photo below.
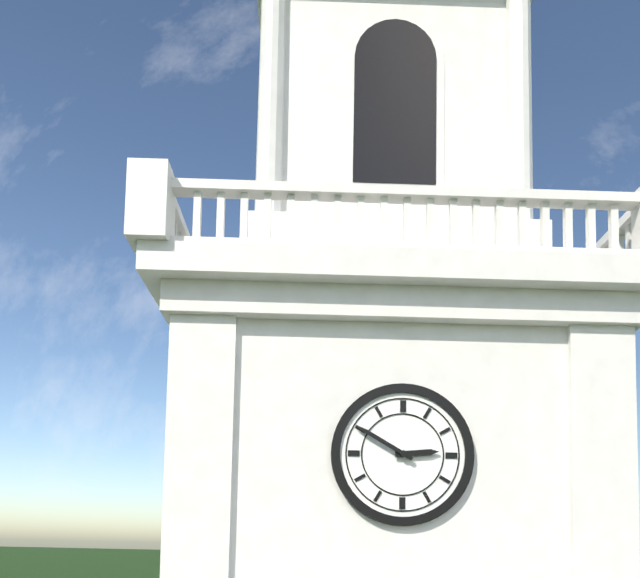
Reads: 2 h 50 min
